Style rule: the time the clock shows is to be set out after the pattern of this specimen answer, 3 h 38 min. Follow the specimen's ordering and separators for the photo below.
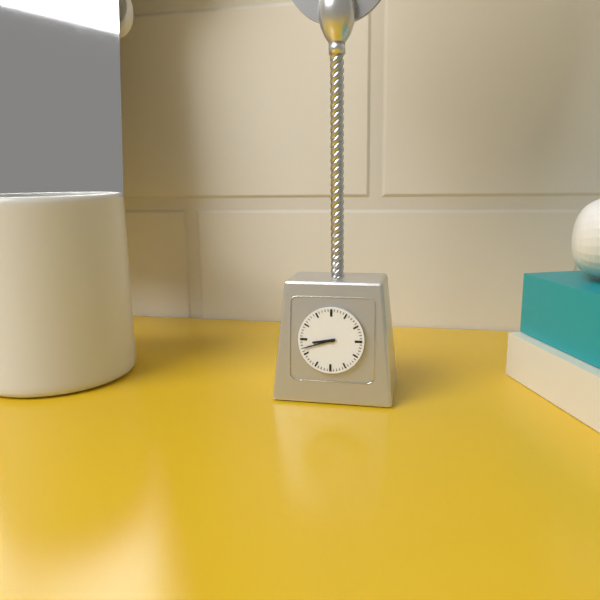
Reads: 8 h 42 min
